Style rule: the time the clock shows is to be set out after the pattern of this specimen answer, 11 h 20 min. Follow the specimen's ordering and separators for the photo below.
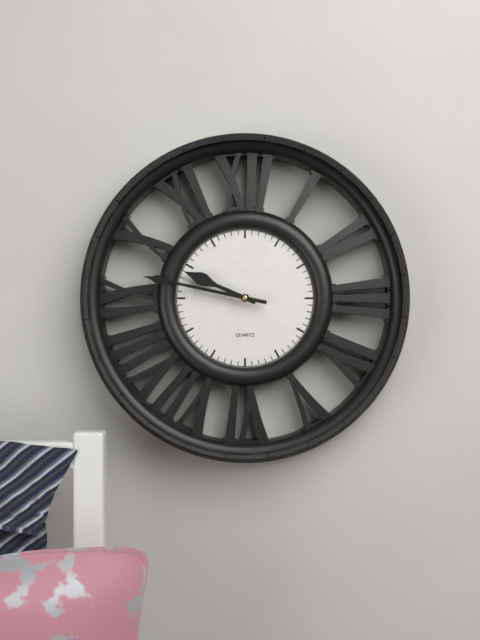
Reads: 9 h 47 min
